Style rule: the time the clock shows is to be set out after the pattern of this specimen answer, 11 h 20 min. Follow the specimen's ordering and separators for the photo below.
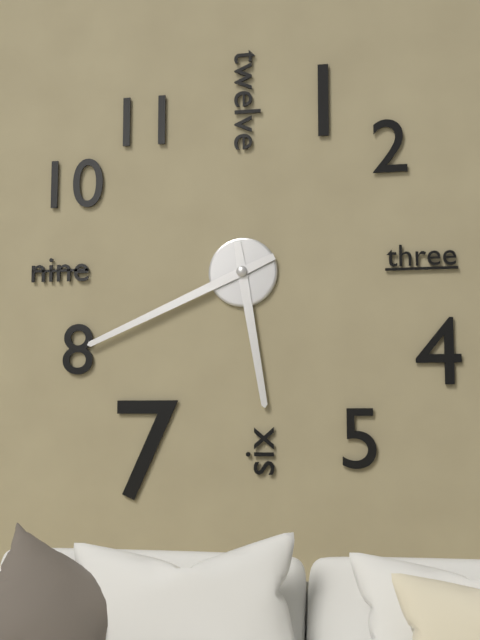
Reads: 5 h 41 min
